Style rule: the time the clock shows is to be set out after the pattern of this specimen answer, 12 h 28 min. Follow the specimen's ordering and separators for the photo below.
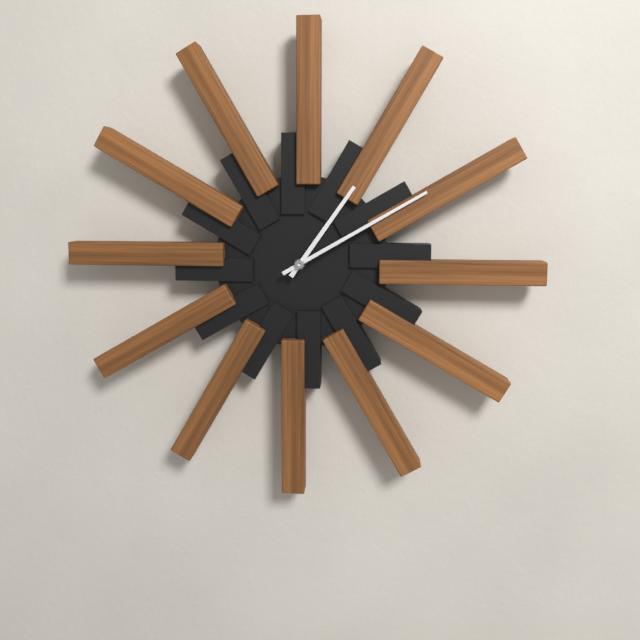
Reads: 1 h 10 min
